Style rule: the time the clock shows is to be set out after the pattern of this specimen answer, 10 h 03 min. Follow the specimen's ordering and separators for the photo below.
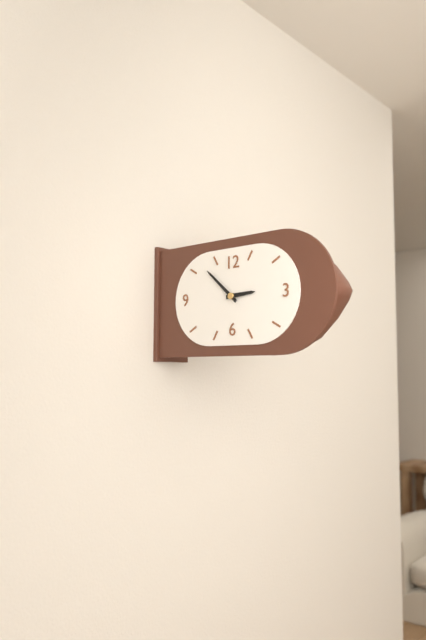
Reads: 2 h 52 min
